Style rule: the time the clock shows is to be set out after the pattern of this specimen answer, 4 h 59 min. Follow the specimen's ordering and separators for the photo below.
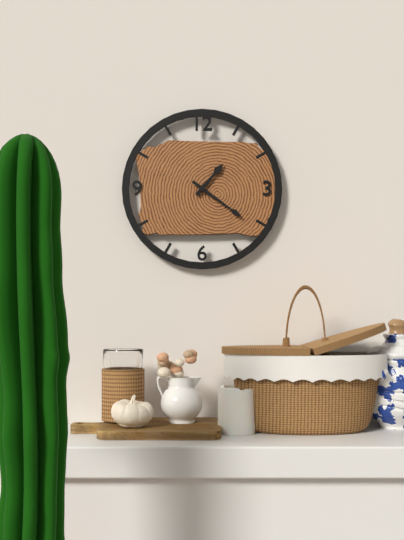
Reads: 1 h 21 min
